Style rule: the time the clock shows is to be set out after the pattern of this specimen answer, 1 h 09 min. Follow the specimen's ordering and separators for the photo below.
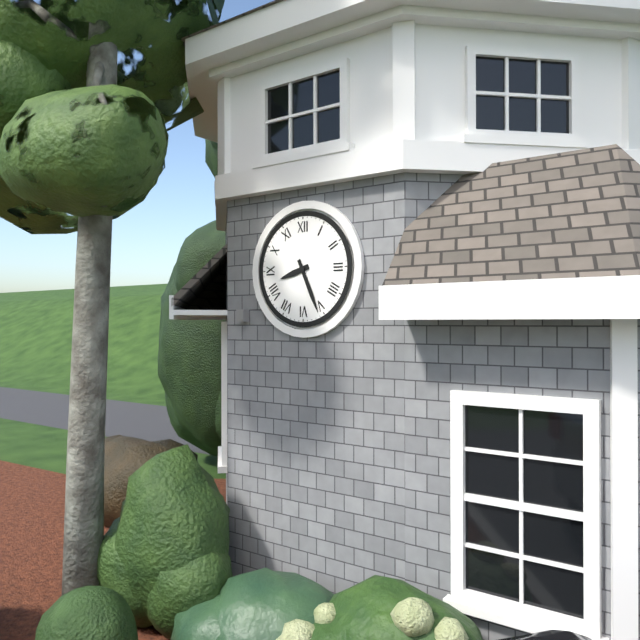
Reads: 8 h 26 min
